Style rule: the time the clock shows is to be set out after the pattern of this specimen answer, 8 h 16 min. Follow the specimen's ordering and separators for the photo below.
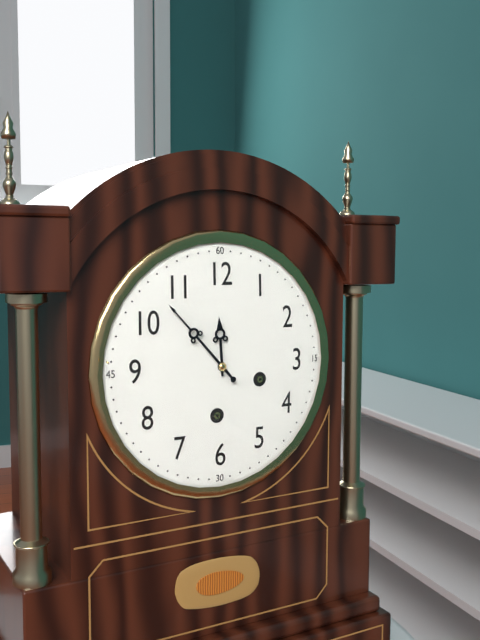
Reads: 11 h 53 min
